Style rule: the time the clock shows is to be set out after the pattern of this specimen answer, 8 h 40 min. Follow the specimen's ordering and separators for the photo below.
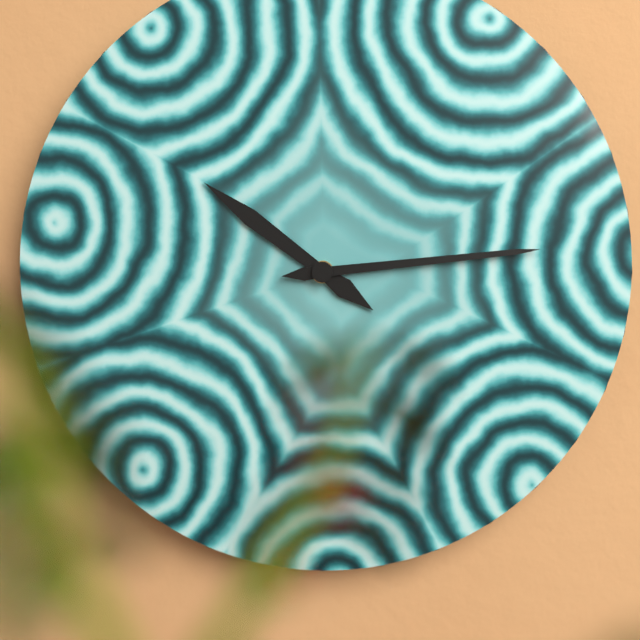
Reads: 10 h 14 min
